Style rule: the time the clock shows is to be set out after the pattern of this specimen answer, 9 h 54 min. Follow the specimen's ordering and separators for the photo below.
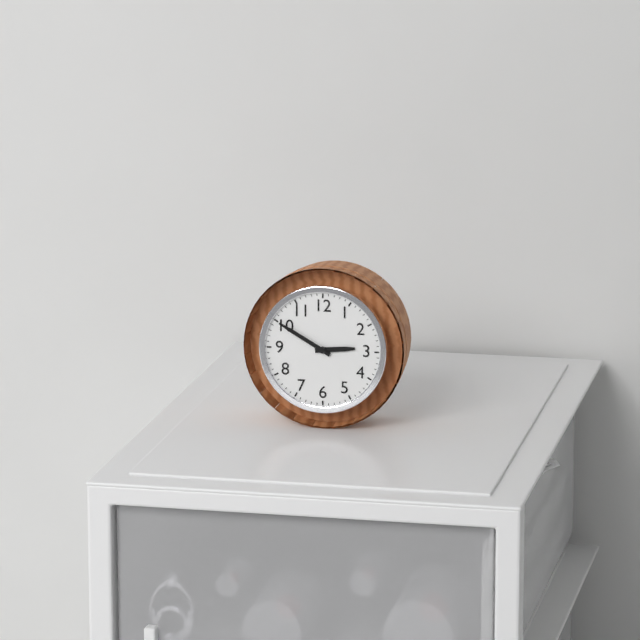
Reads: 2 h 50 min
